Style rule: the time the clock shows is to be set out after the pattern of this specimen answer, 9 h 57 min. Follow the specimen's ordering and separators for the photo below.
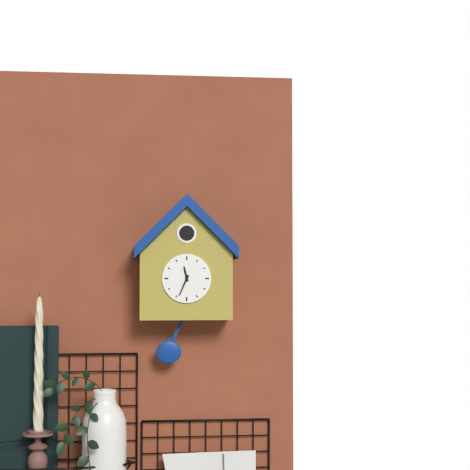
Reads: 11 h 34 min
